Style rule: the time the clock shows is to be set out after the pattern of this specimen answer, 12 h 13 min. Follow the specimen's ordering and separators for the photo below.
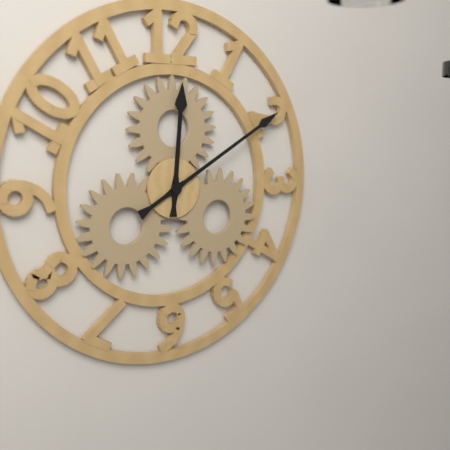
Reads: 12 h 10 min
